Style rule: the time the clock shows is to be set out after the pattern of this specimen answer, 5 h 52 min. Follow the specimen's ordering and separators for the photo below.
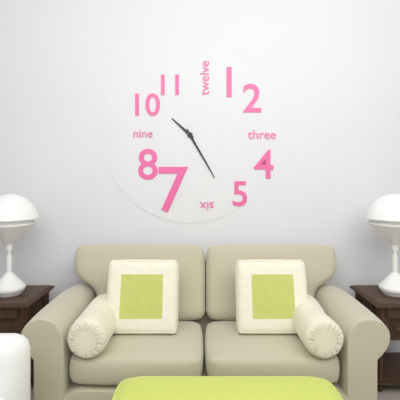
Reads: 10 h 25 min
